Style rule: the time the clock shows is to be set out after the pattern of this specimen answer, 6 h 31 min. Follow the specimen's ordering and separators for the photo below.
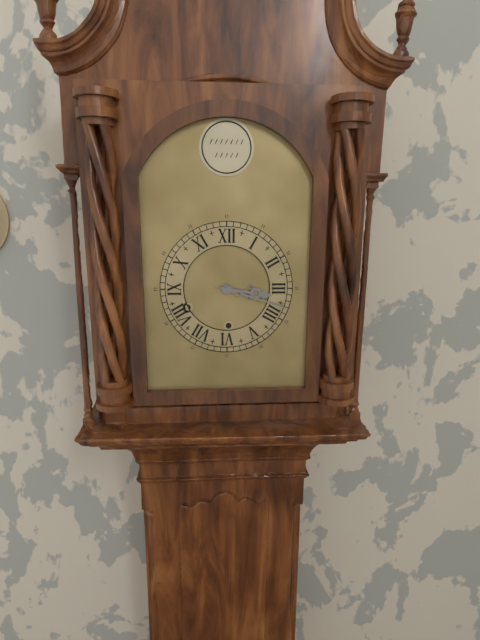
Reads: 3 h 18 min
